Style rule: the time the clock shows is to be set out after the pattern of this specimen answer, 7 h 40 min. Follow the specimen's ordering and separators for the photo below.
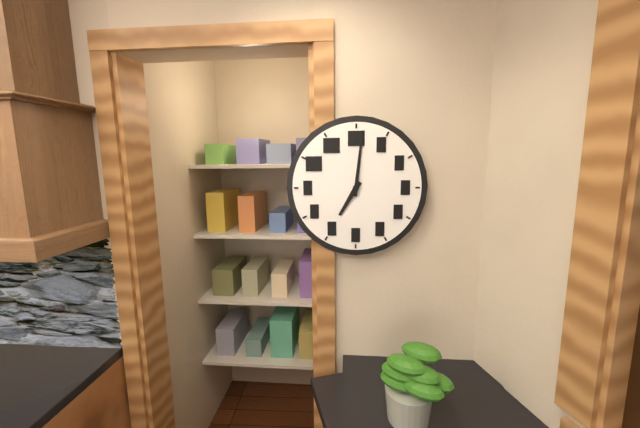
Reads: 7 h 01 min
